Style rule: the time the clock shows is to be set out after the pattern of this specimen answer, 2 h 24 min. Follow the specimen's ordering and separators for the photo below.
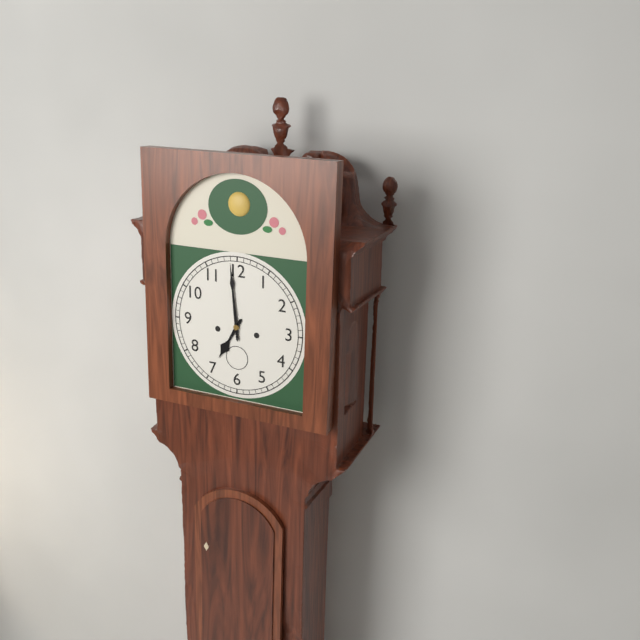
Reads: 6 h 59 min
